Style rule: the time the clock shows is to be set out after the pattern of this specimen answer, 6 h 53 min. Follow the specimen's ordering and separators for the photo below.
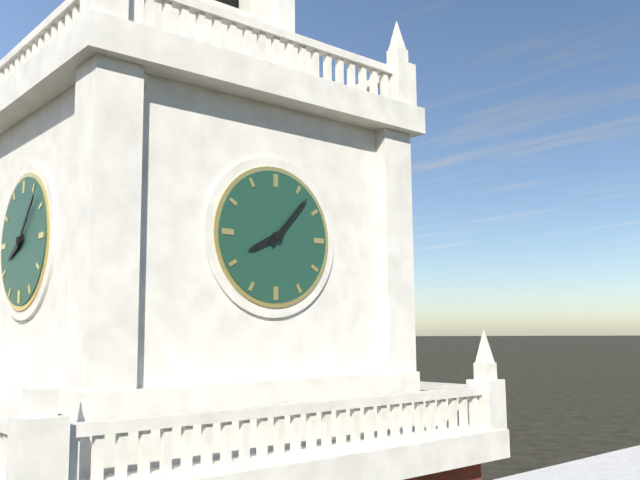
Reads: 8 h 07 min
